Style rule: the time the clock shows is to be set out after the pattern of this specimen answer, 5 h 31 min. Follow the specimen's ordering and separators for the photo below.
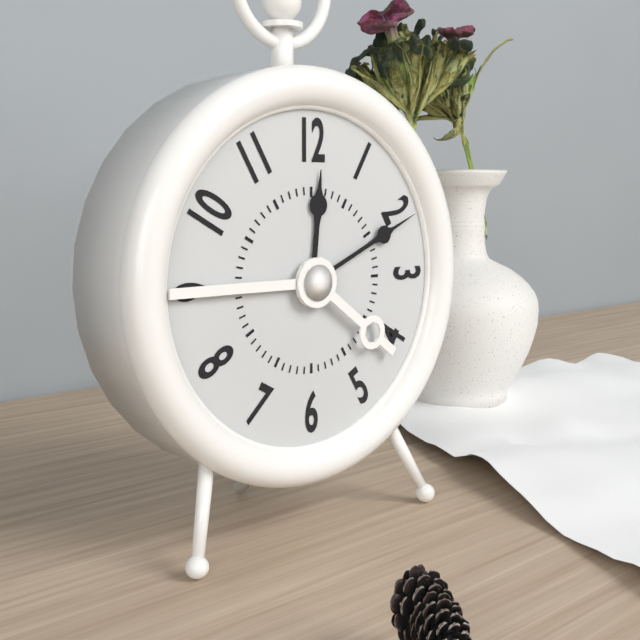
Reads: 12 h 11 min
